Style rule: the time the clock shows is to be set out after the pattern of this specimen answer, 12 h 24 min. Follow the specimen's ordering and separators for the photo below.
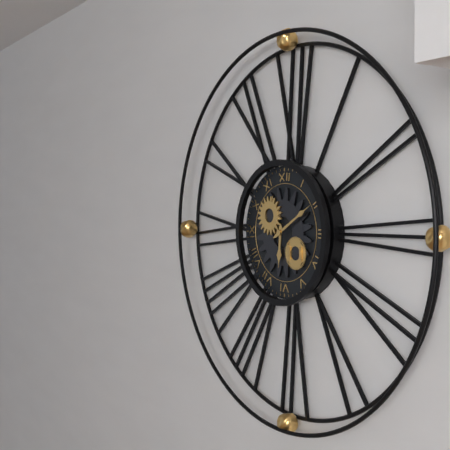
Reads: 6 h 10 min
